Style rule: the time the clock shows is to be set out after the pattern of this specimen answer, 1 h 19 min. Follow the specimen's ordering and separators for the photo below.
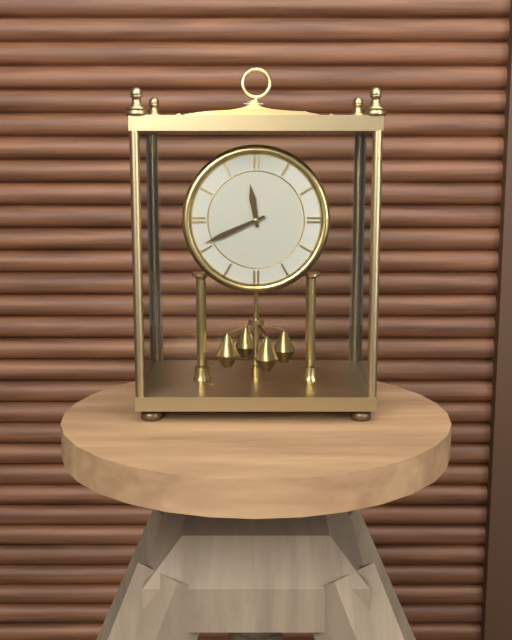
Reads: 11 h 41 min
